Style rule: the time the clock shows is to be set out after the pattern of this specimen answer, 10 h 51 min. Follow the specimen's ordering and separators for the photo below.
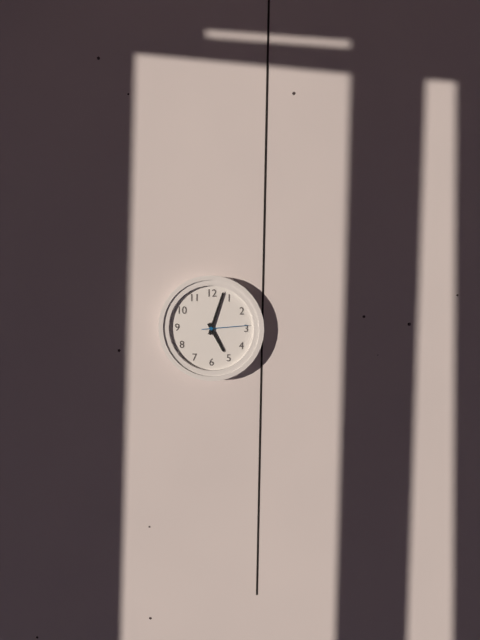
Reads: 5 h 03 min
